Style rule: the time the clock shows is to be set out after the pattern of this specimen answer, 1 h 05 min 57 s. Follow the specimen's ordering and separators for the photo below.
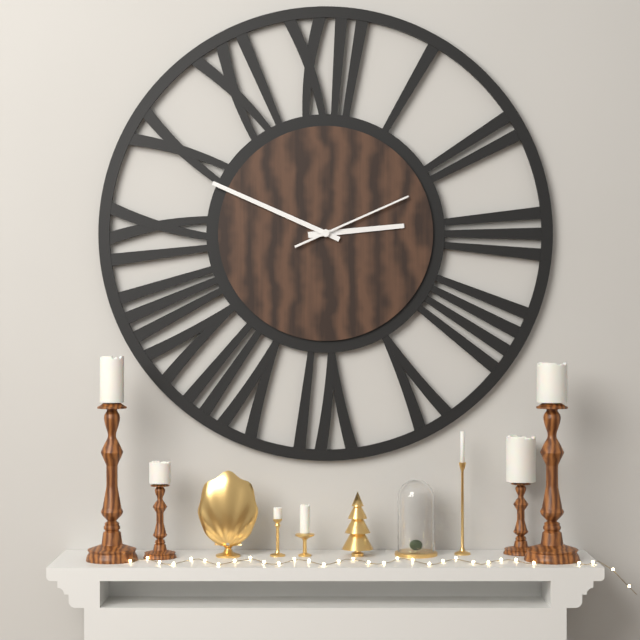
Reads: 2 h 49 min 11 s
